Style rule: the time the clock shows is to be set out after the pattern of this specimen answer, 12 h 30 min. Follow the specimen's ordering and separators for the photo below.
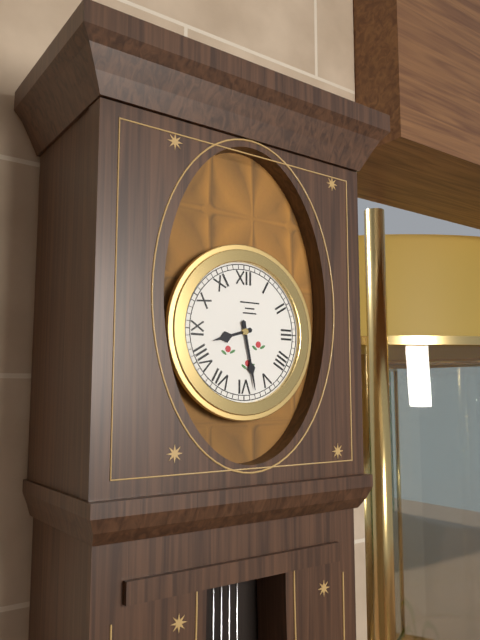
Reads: 8 h 28 min
